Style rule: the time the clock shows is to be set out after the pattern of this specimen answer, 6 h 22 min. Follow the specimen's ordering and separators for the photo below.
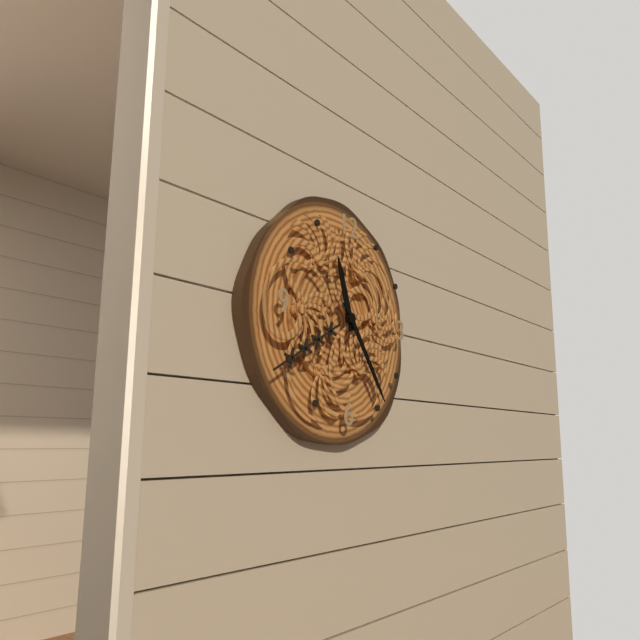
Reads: 11 h 24 min
